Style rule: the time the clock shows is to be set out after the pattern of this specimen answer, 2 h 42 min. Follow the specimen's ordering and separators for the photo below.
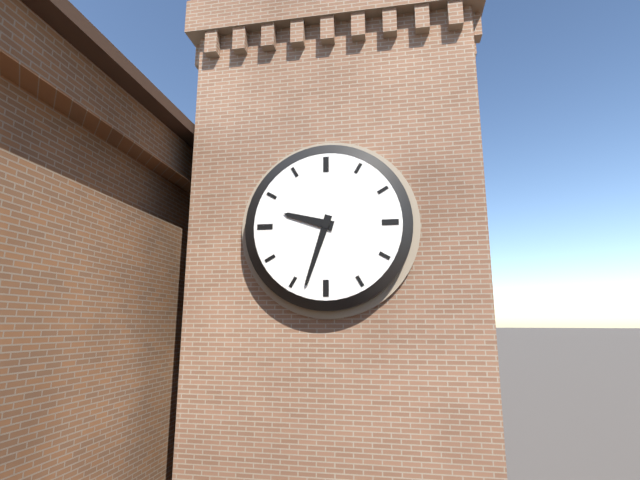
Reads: 9 h 33 min
